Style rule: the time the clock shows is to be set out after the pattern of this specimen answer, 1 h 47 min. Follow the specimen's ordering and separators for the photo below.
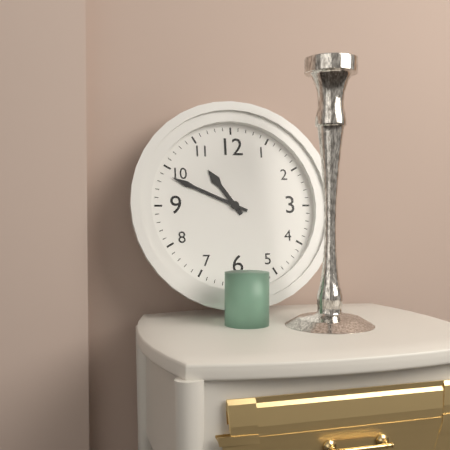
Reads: 10 h 49 min
